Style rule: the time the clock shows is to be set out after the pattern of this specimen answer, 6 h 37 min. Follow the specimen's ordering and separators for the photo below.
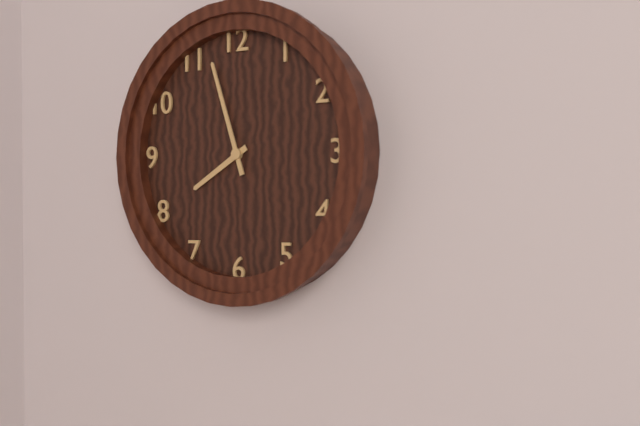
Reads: 7 h 57 min
